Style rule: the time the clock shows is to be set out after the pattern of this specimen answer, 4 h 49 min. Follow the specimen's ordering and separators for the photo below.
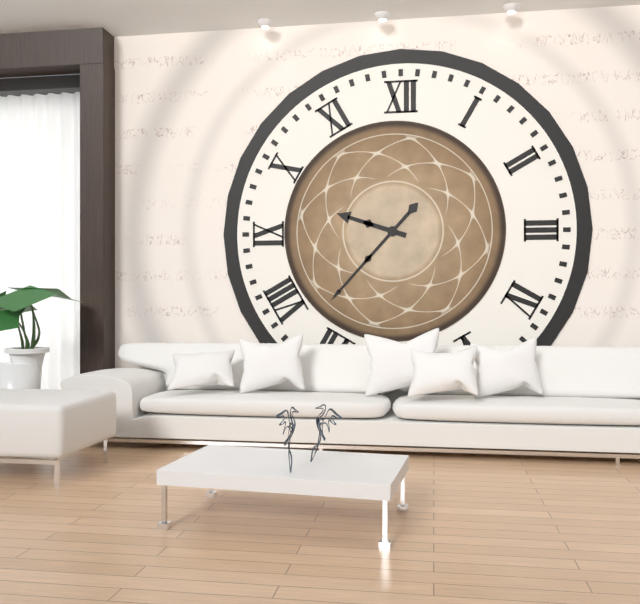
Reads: 9 h 37 min
